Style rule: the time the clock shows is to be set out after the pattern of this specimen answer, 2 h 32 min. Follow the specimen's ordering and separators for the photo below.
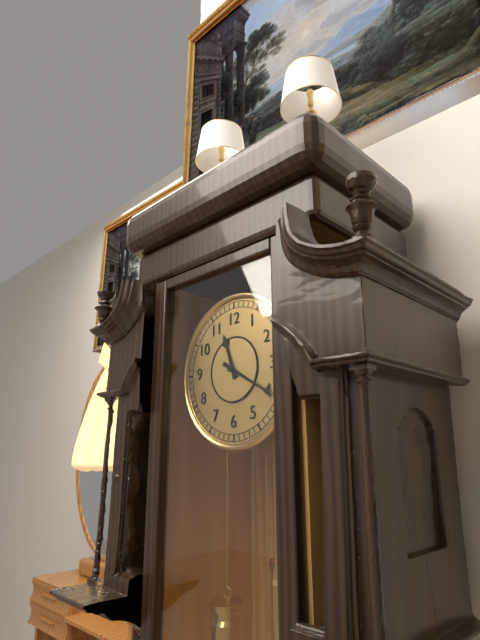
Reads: 11 h 20 min
